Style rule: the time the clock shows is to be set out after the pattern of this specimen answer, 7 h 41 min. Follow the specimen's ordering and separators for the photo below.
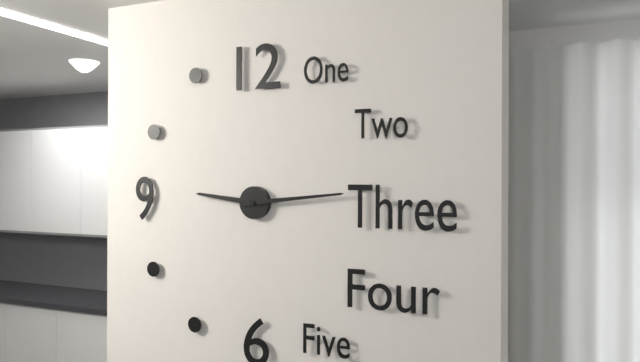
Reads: 9 h 14 min
